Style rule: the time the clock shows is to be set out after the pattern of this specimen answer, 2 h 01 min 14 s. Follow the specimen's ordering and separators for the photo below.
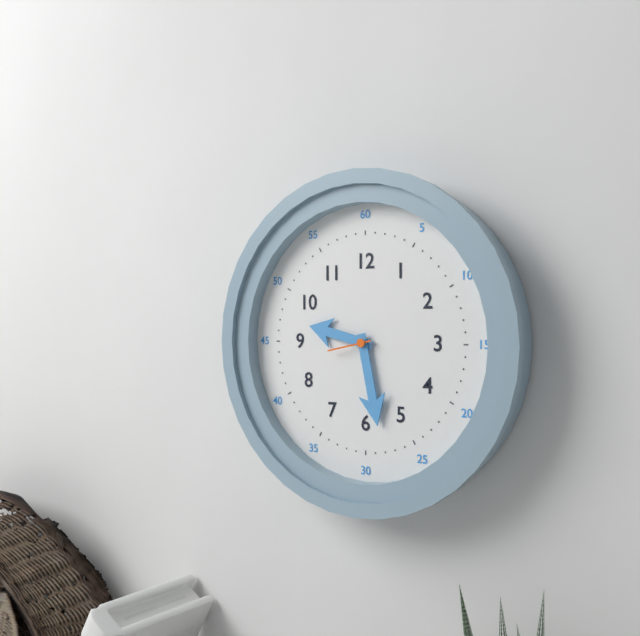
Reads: 9 h 28 min 43 s
